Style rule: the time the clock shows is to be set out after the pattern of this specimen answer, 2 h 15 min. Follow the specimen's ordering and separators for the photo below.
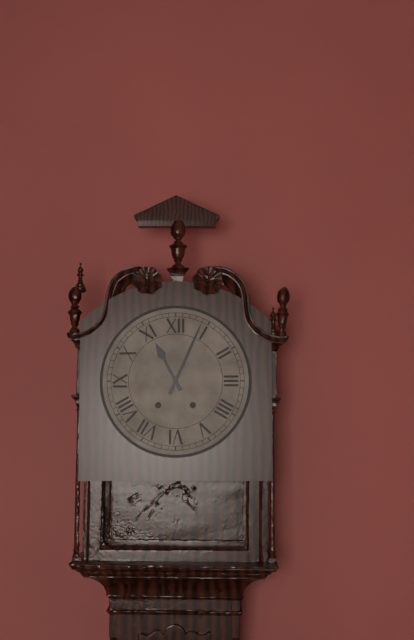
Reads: 11 h 04 min
